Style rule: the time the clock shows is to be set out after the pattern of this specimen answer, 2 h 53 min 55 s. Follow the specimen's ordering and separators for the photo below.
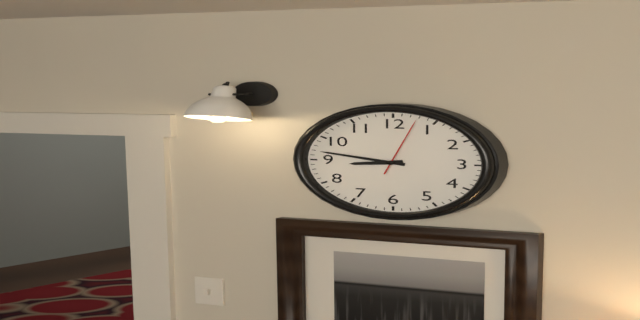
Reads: 8 h 47 min 03 s
